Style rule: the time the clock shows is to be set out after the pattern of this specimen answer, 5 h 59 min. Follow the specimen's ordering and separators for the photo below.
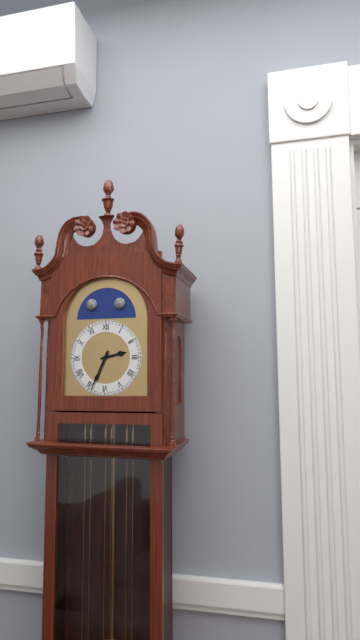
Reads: 2 h 34 min
